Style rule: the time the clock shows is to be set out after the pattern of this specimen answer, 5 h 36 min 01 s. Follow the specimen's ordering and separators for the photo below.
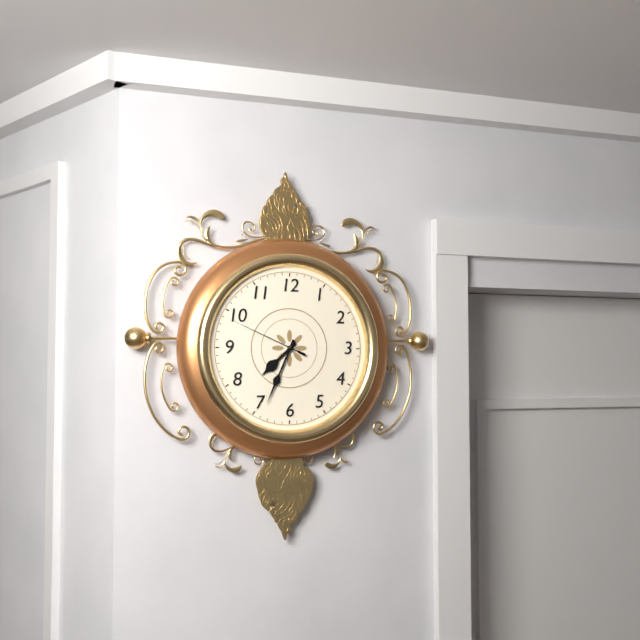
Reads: 7 h 34 min 49 s
